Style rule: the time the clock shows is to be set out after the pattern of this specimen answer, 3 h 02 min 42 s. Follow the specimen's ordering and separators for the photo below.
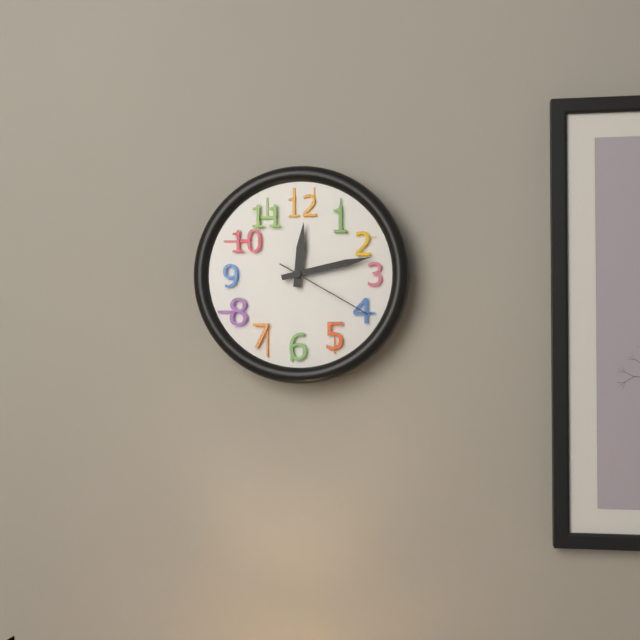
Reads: 12 h 13 min 20 s
